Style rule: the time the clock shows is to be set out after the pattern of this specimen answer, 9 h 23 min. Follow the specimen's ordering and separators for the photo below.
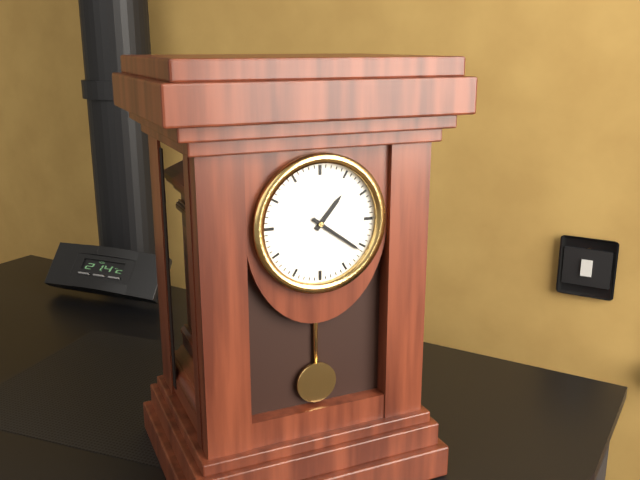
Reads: 1 h 21 min
